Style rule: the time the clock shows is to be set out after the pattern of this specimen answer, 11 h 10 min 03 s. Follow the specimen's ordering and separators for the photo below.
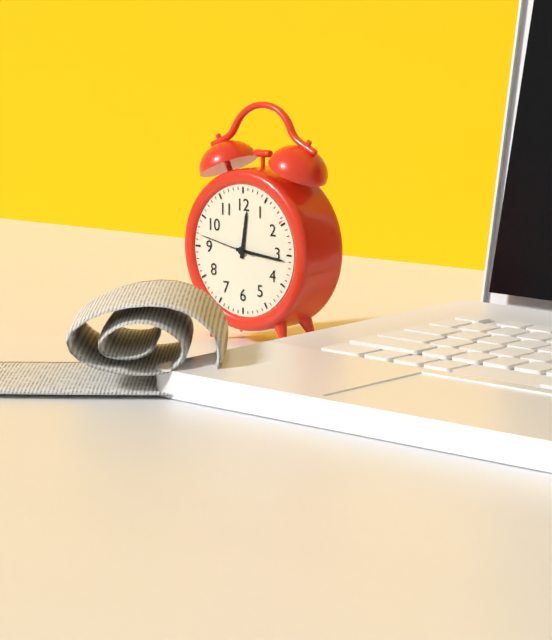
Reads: 12 h 16 min 47 s
